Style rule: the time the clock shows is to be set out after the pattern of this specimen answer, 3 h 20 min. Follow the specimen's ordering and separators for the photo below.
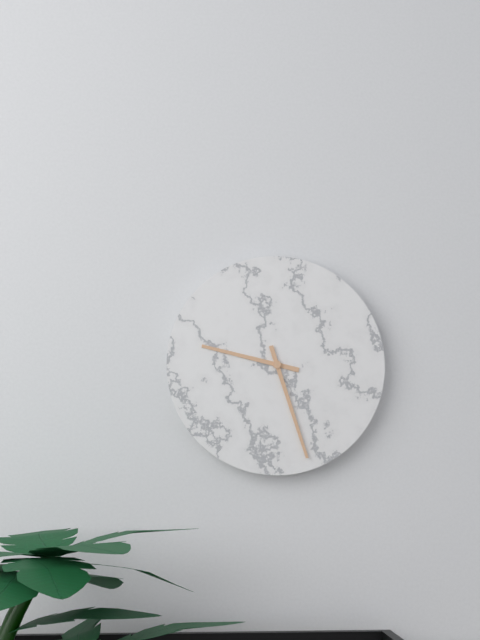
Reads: 9 h 27 min
